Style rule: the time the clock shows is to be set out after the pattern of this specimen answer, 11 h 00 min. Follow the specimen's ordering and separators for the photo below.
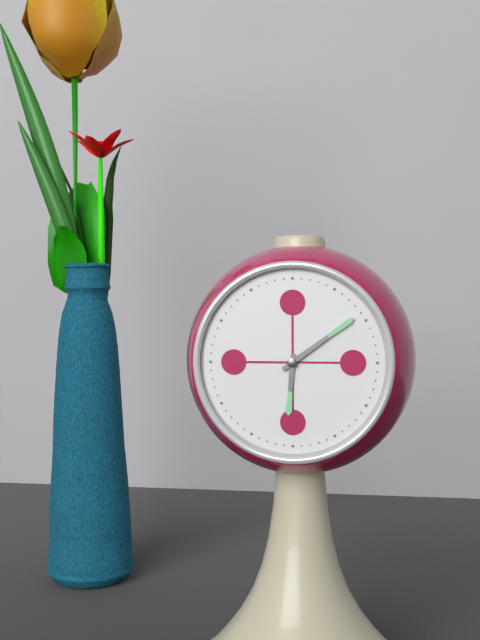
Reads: 6 h 09 min
